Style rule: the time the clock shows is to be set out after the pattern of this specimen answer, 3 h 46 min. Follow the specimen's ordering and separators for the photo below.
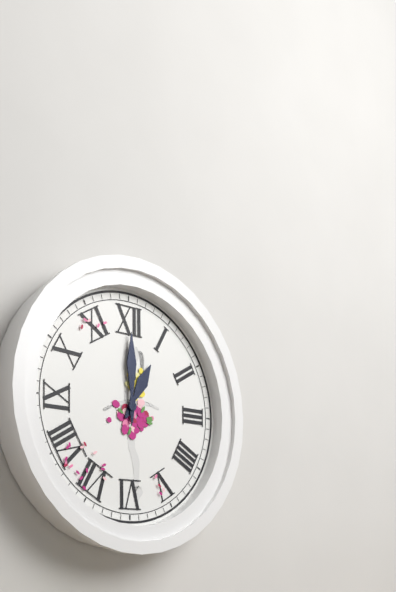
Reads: 1 h 00 min
